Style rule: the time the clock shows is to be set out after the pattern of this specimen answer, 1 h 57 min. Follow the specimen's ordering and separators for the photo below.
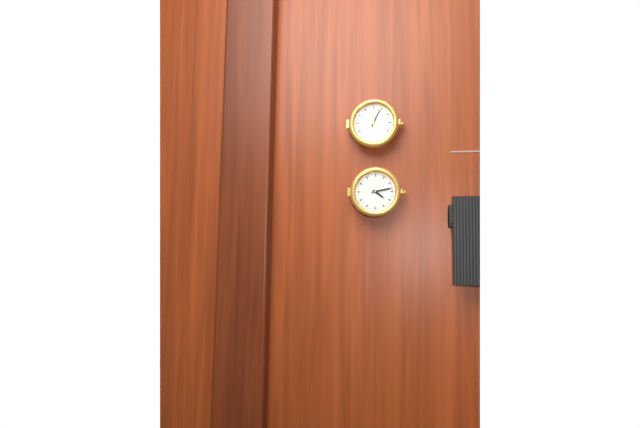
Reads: 4 h 13 min
